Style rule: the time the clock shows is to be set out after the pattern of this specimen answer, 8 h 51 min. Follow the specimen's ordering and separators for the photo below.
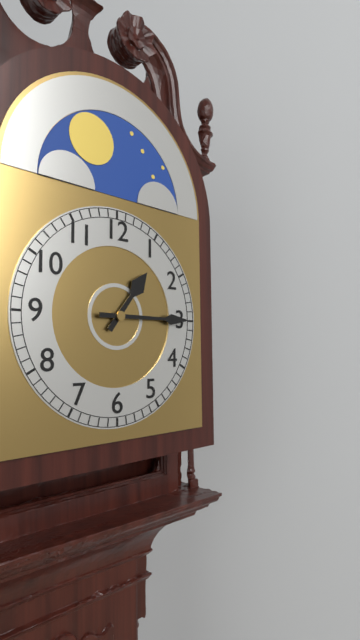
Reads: 1 h 15 min
